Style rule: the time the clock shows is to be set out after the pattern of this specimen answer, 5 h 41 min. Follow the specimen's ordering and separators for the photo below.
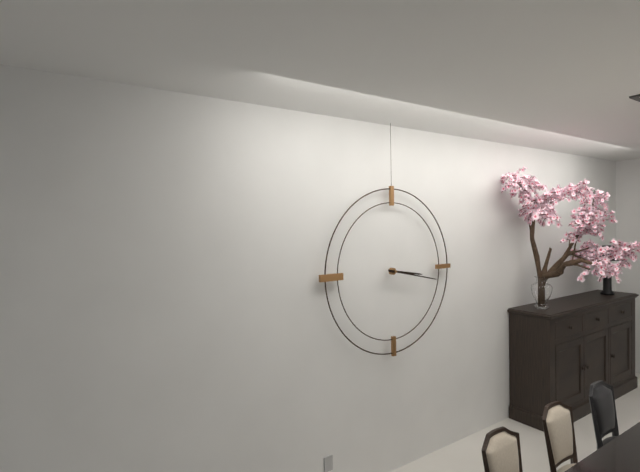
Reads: 3 h 17 min
